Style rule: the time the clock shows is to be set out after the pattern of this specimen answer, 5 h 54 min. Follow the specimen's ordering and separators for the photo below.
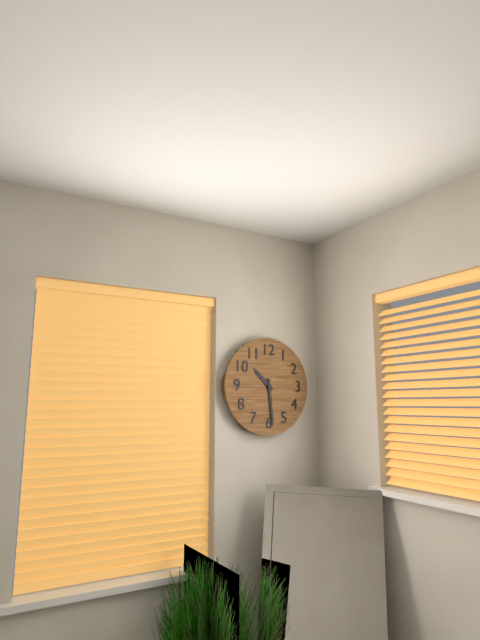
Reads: 10 h 29 min
